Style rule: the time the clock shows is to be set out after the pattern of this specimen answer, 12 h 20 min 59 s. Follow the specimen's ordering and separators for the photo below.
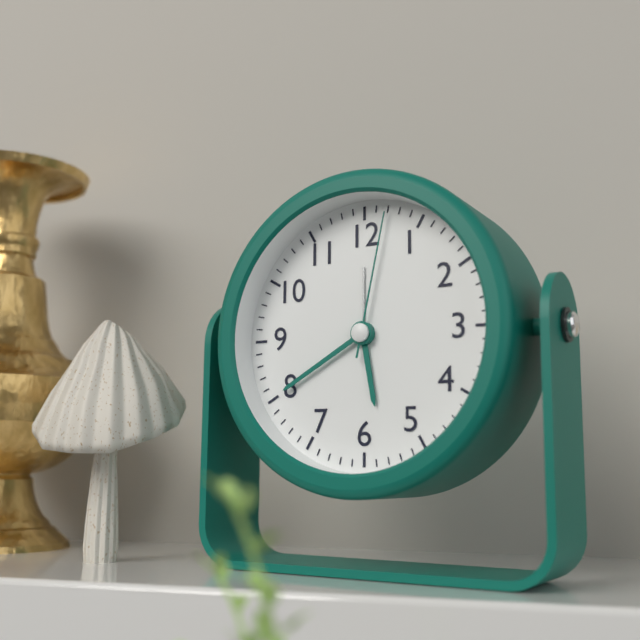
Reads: 5 h 40 min 02 s
